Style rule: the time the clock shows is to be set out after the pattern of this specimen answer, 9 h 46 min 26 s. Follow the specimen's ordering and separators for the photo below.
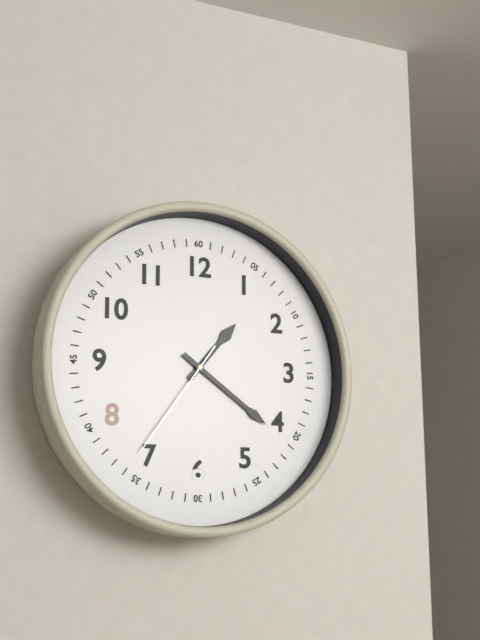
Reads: 1 h 21 min 36 s
